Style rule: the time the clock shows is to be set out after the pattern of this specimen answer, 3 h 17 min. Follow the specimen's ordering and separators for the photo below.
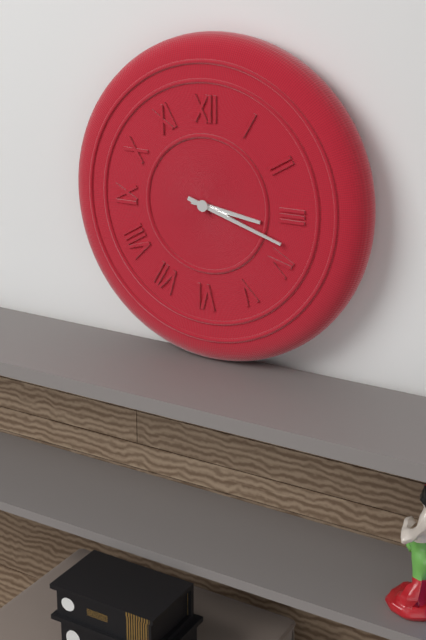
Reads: 3 h 18 min
